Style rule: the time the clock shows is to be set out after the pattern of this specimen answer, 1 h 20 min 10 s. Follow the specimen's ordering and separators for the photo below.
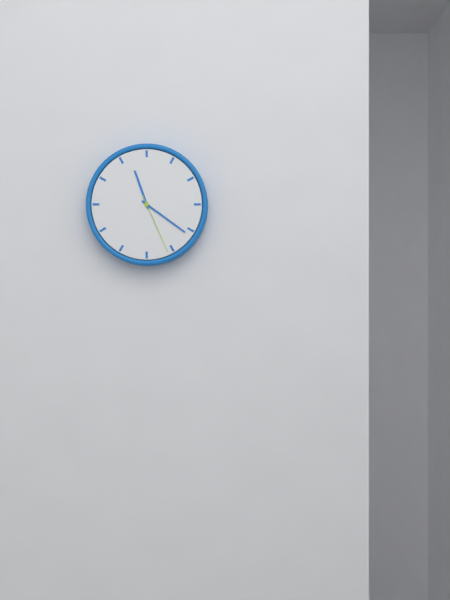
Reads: 11 h 21 min 26 s
